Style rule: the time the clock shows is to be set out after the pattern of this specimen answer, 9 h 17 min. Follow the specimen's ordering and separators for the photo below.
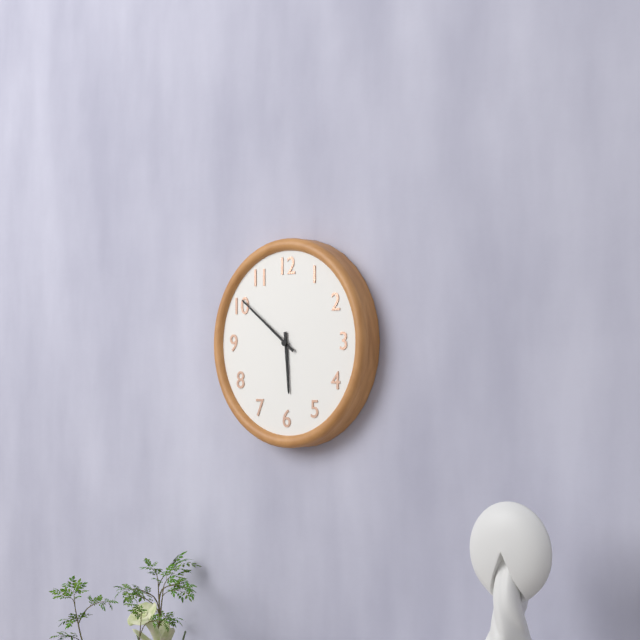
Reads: 5 h 51 min
